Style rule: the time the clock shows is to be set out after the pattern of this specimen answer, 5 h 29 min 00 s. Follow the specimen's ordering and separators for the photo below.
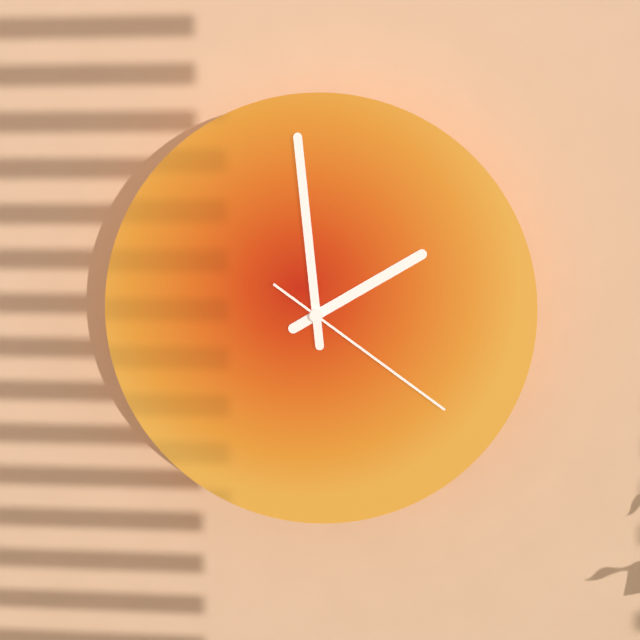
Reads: 1 h 59 min 21 s
